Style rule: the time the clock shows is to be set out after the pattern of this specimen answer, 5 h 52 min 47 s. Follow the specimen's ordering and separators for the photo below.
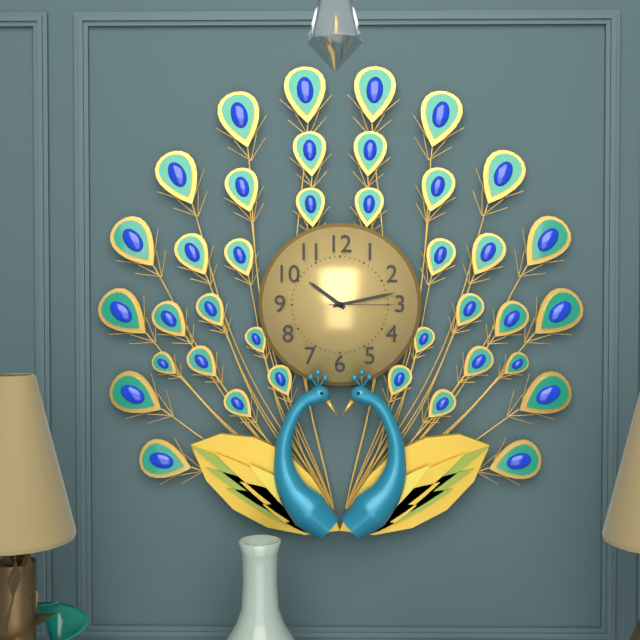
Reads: 10 h 13 min 15 s
